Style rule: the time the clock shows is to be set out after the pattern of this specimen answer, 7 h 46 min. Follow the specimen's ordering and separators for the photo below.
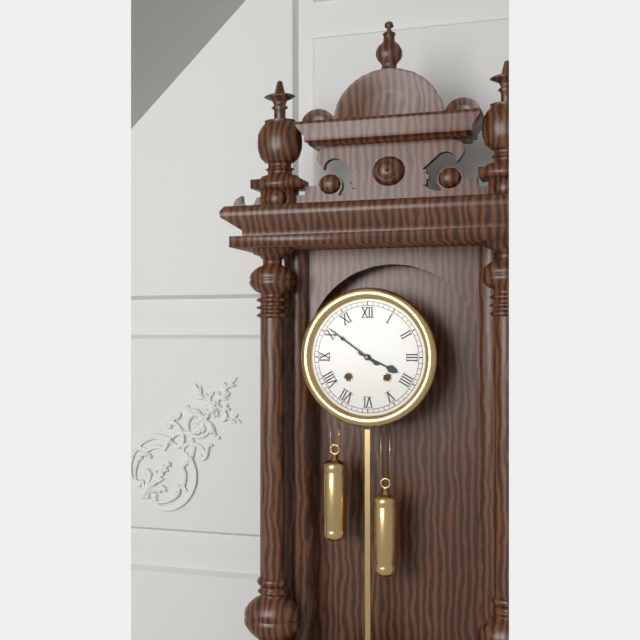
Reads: 3 h 51 min
